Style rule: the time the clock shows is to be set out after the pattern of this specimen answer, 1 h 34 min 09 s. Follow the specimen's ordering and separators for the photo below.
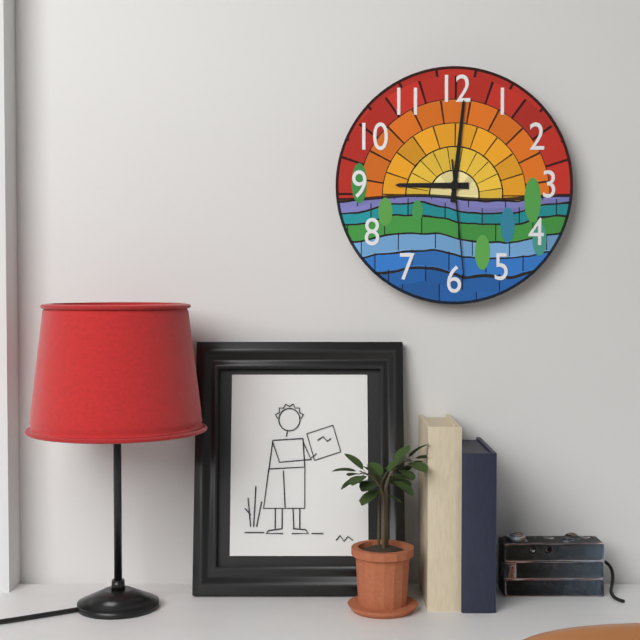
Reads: 9 h 01 min 29 s
